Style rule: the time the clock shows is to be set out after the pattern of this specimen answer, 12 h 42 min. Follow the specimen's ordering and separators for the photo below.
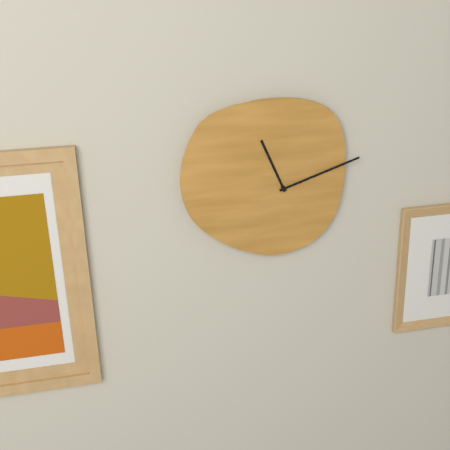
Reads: 11 h 12 min
